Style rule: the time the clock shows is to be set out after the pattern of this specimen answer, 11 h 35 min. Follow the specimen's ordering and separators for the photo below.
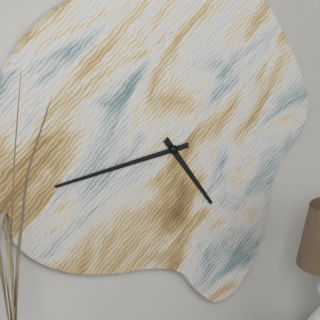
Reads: 4 h 44 min
